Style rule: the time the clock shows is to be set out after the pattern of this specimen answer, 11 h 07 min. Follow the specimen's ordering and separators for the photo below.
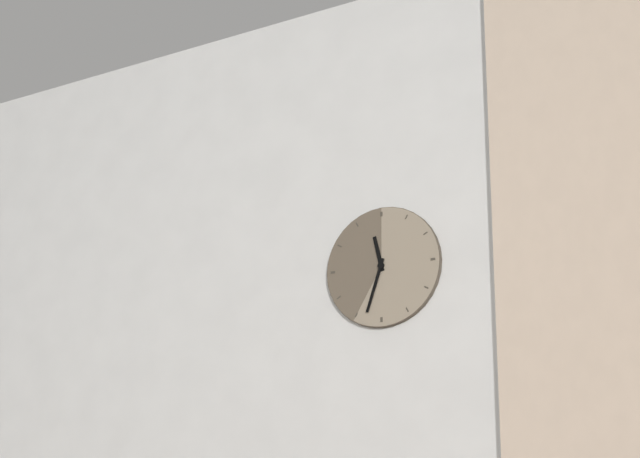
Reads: 11 h 33 min
